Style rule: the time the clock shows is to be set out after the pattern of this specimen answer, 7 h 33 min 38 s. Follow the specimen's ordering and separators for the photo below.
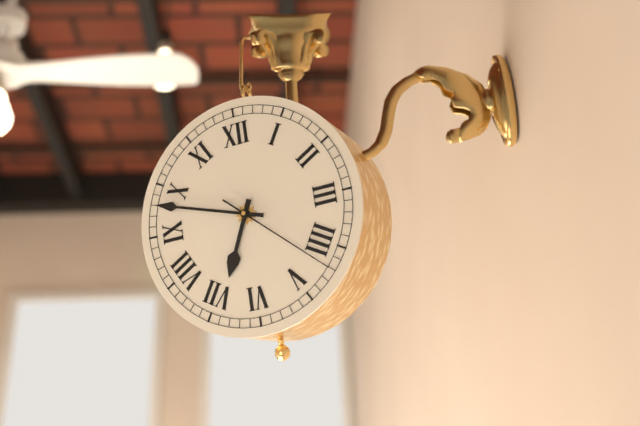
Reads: 6 h 48 min 22 s
